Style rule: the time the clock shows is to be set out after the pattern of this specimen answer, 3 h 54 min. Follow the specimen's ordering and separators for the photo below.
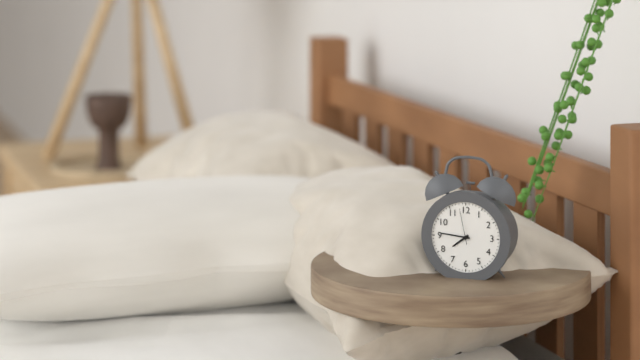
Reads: 7 h 46 min
